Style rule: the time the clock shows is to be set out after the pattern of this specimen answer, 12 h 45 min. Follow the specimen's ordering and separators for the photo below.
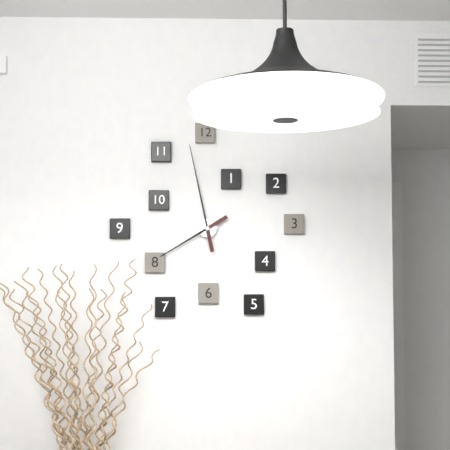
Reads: 7 h 58 min
